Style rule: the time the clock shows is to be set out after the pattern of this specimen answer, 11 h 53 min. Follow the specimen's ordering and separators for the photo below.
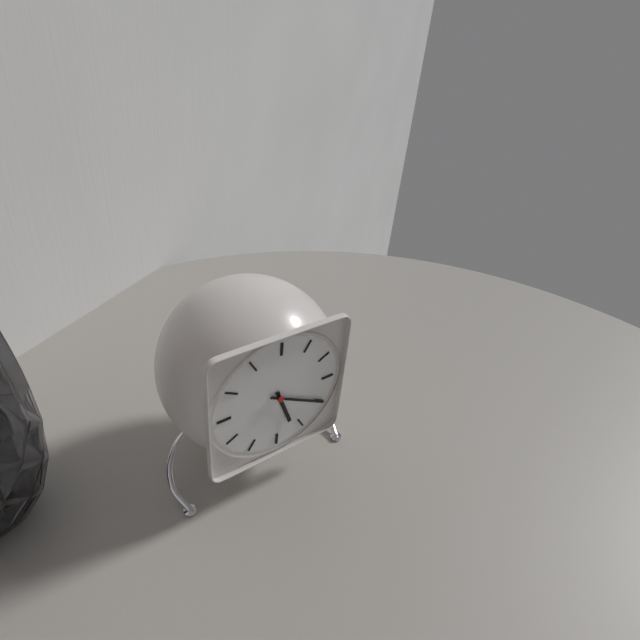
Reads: 5 h 20 min
